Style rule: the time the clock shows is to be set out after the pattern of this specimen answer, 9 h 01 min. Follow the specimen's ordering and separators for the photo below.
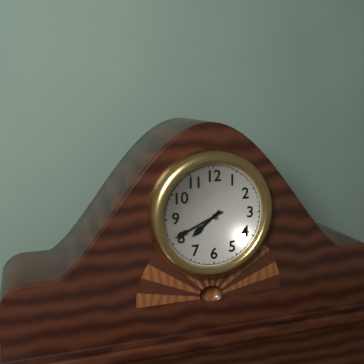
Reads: 7 h 41 min
